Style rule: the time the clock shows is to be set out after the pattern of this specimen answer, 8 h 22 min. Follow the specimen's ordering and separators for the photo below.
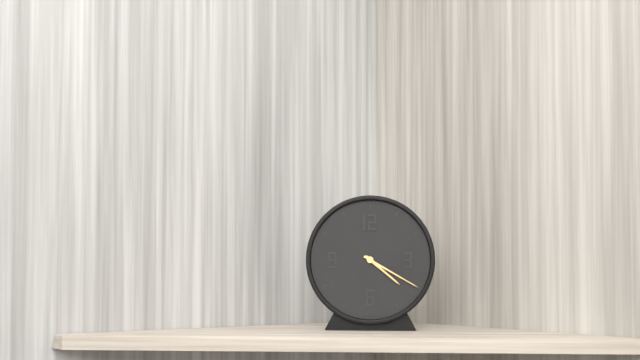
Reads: 4 h 20 min
